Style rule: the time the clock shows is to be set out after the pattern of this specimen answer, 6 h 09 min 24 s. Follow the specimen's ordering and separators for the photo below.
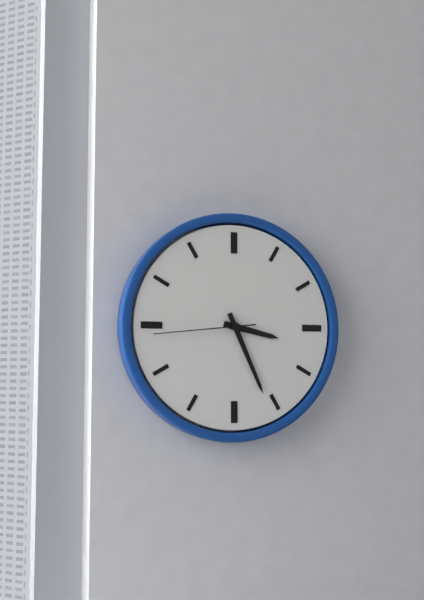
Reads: 3 h 26 min 44 s
